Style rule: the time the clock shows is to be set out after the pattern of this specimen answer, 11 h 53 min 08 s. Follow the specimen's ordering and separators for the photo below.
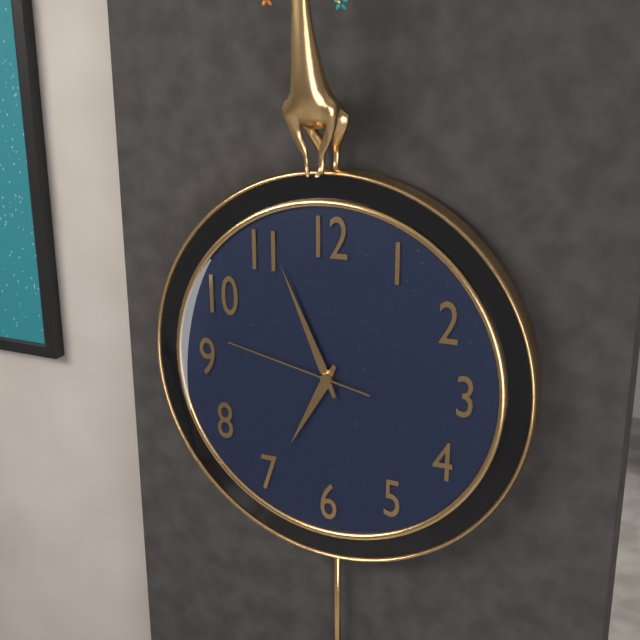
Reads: 6 h 56 min 47 s
